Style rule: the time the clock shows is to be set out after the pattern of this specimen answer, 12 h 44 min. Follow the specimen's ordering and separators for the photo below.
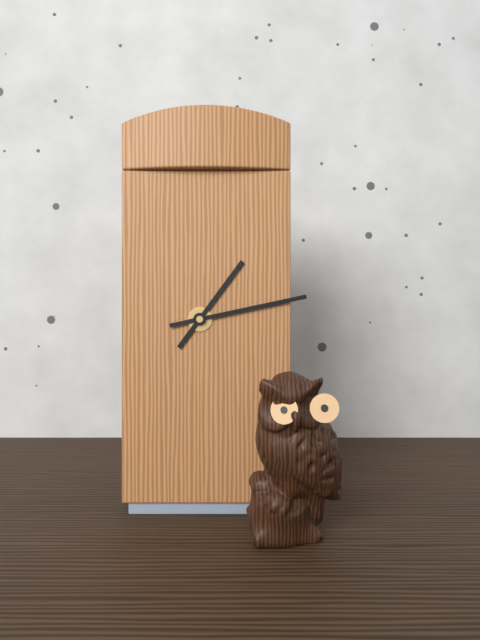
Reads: 1 h 13 min
